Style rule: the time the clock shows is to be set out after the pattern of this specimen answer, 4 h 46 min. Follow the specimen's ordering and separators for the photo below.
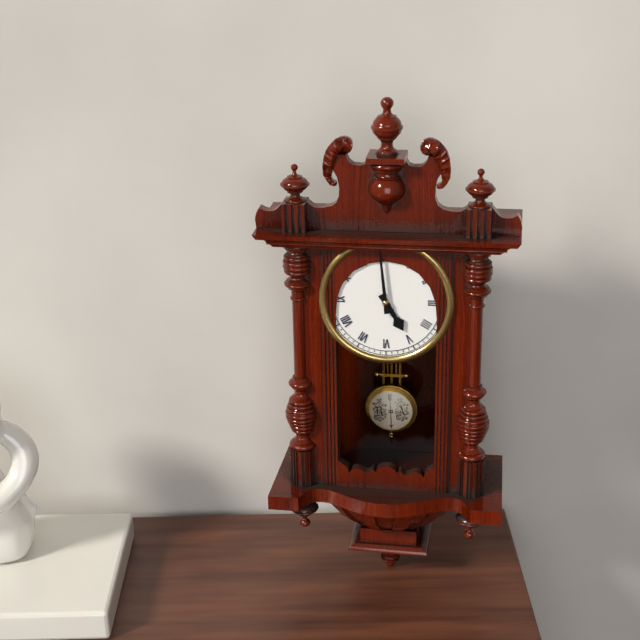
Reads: 4 h 59 min
